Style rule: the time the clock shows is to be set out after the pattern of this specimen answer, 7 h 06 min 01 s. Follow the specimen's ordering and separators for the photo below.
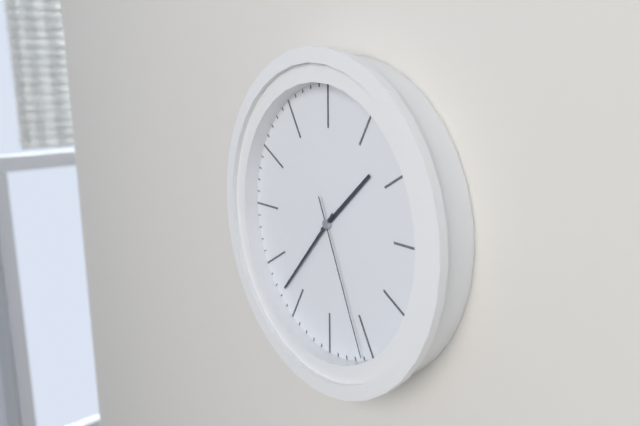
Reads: 1 h 37 min 26 s
